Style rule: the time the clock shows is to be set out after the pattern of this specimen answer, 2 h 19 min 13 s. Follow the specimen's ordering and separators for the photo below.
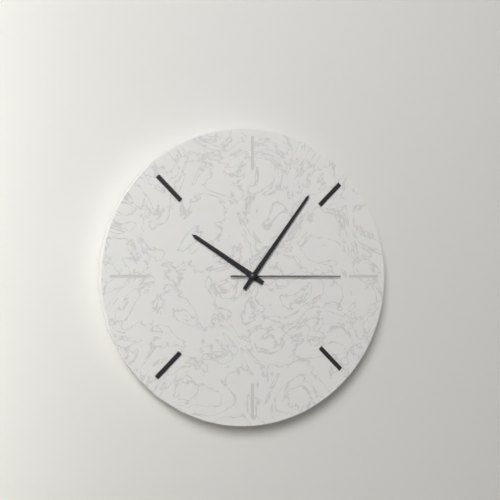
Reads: 10 h 06 min 15 s
